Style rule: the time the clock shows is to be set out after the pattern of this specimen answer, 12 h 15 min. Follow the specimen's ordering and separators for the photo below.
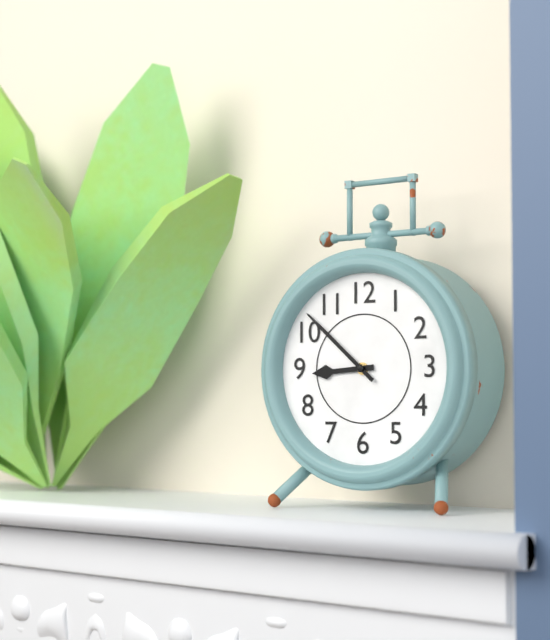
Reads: 8 h 52 min
